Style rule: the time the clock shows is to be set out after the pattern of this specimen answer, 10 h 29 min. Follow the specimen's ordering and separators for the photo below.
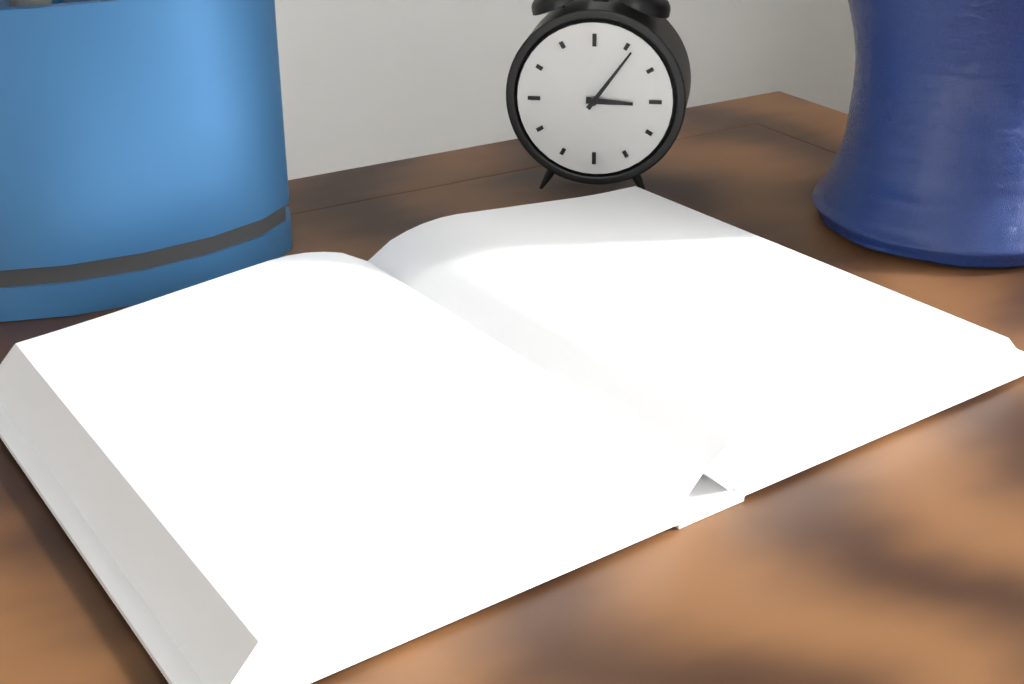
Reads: 3 h 06 min
